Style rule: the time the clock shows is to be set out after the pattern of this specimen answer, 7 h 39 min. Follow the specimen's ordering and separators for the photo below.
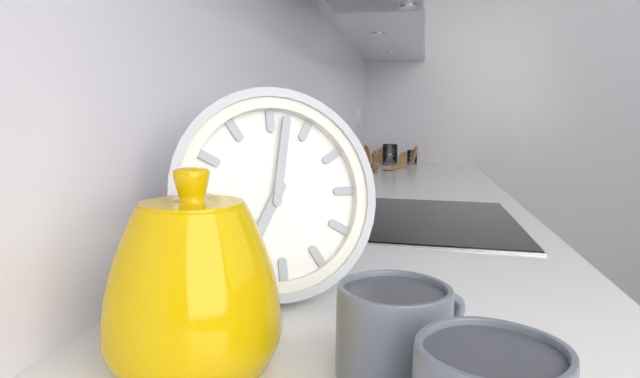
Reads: 7 h 02 min
